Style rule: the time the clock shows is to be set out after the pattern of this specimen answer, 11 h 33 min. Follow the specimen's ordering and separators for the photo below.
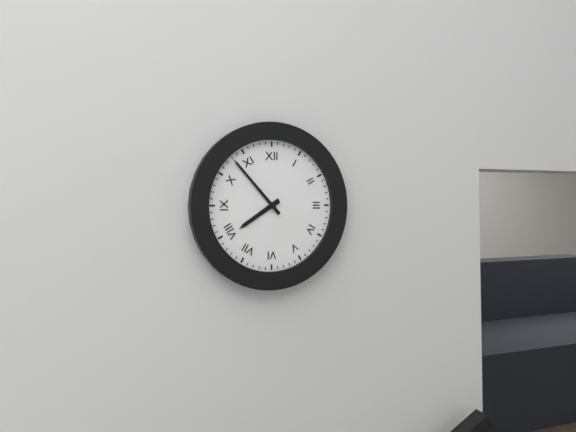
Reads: 7 h 53 min
